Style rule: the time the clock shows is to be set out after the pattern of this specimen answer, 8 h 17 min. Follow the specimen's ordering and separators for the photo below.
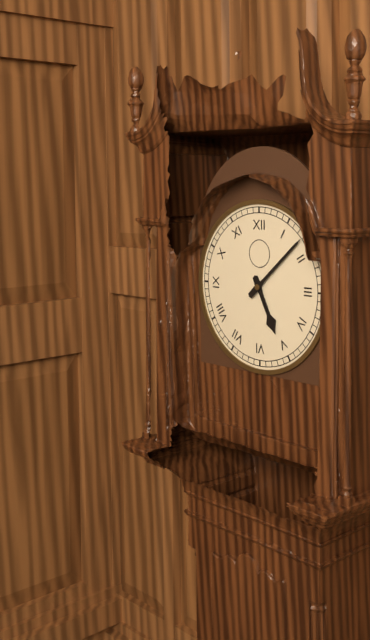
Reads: 5 h 08 min
